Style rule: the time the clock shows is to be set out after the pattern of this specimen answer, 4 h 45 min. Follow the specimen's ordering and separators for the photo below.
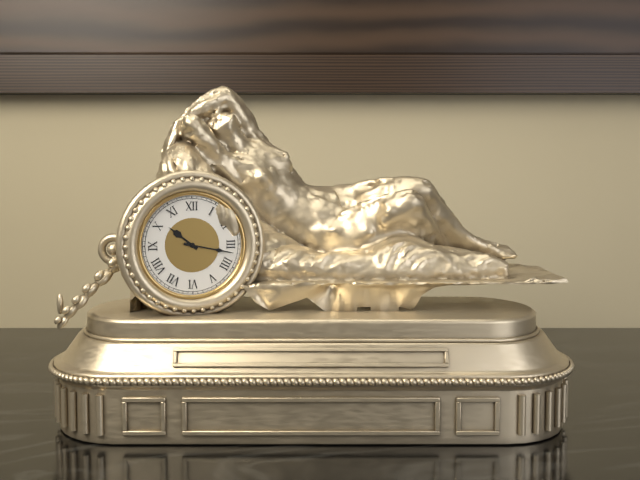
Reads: 10 h 17 min
